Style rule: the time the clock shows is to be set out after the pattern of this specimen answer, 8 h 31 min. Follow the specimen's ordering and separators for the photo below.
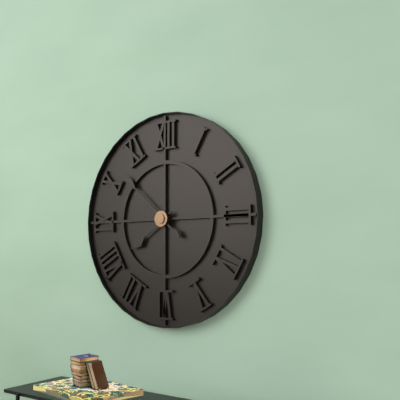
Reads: 7 h 52 min
